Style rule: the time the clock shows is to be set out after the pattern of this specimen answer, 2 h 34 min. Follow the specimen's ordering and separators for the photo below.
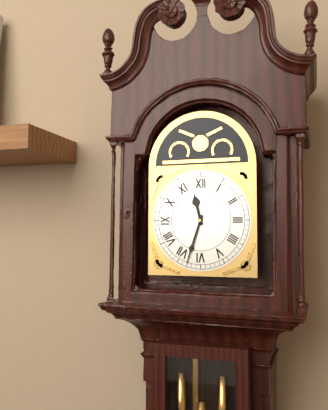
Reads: 11 h 33 min
